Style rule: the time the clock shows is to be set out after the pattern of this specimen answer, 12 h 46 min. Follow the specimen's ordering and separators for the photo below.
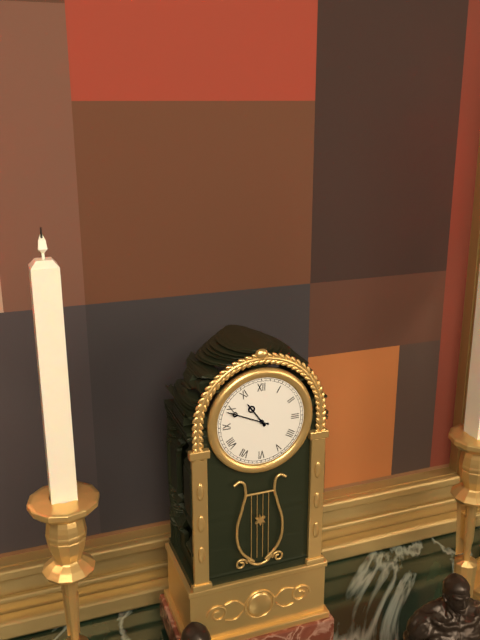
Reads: 10 h 49 min
